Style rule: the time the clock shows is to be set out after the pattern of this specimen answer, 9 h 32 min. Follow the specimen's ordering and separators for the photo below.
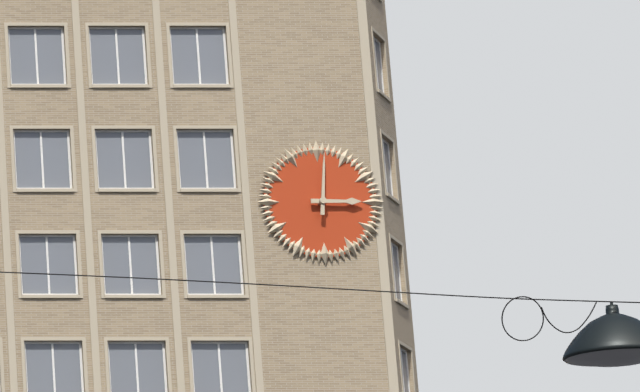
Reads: 3 h 01 min
